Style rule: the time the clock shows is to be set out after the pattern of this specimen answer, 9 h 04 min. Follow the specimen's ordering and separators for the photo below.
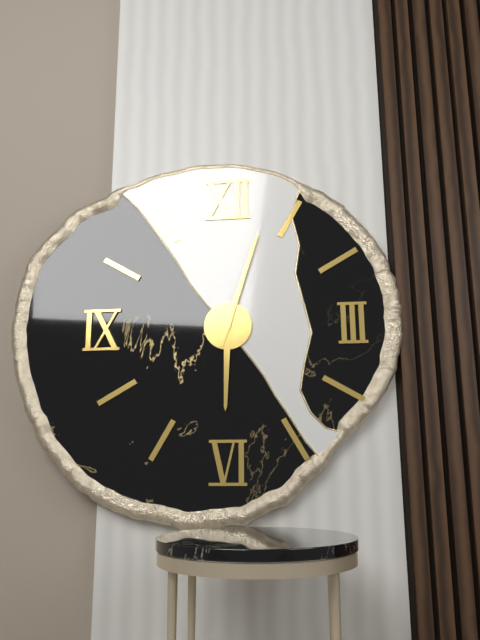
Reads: 6 h 03 min
